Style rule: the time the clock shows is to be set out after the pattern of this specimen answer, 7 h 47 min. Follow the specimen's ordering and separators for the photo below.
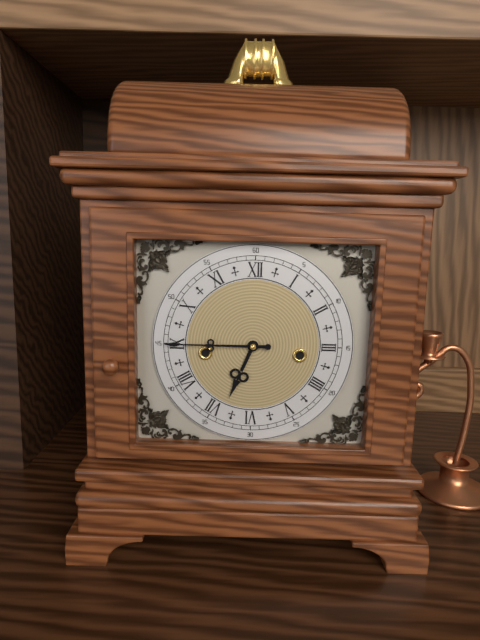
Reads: 6 h 45 min
